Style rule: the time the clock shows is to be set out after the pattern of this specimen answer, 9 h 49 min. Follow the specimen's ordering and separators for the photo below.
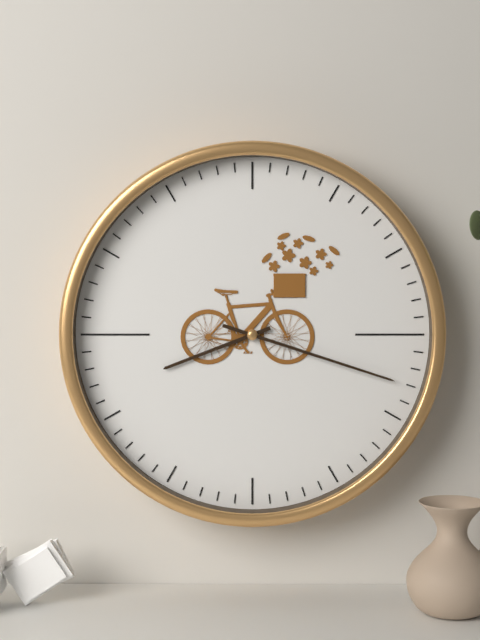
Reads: 8 h 18 min
